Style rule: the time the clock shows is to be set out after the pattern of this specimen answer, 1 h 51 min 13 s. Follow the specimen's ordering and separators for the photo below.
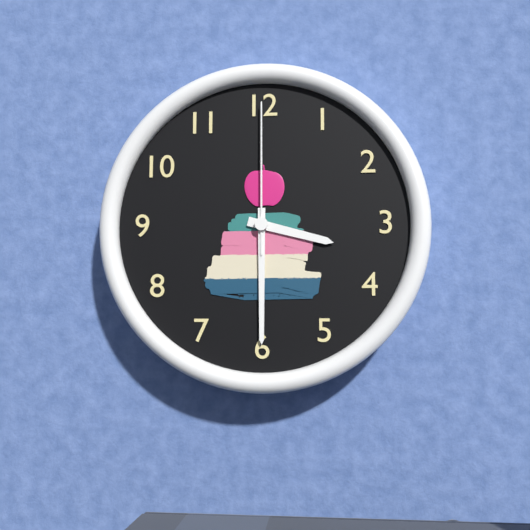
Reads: 3 h 30 min 00 s
